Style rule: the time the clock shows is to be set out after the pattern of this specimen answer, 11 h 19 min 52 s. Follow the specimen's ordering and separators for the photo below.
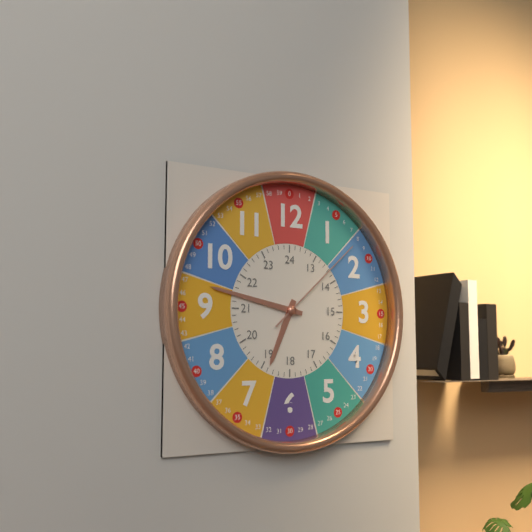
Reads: 6 h 47 min 08 s
